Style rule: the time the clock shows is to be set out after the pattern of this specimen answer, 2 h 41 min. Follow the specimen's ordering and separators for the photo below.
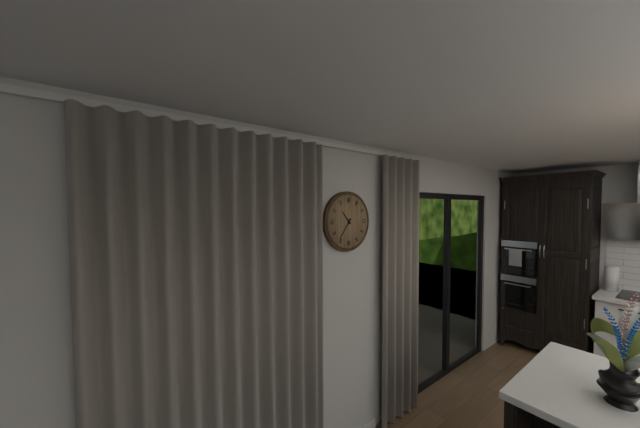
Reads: 10 h 36 min
